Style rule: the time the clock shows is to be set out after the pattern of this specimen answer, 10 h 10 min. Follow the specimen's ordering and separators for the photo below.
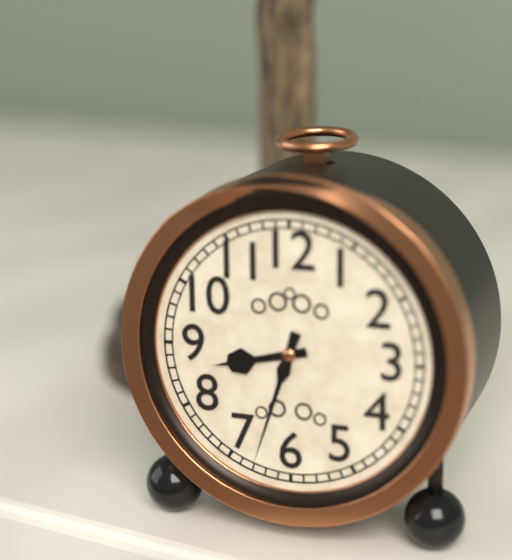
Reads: 8 h 33 min
